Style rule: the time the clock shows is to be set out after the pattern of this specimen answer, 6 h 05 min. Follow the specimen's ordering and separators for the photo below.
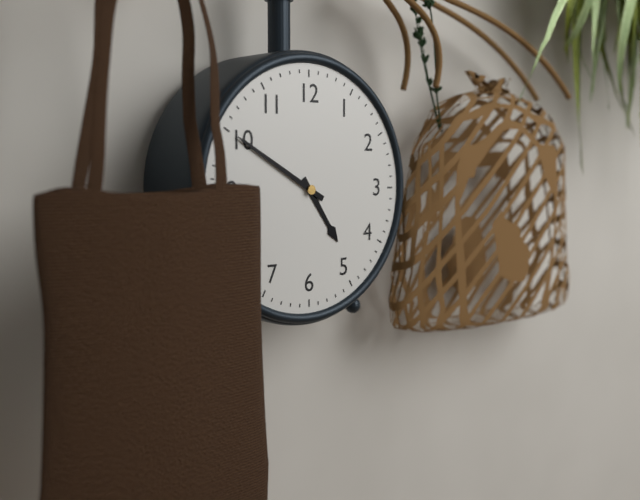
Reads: 4 h 50 min
